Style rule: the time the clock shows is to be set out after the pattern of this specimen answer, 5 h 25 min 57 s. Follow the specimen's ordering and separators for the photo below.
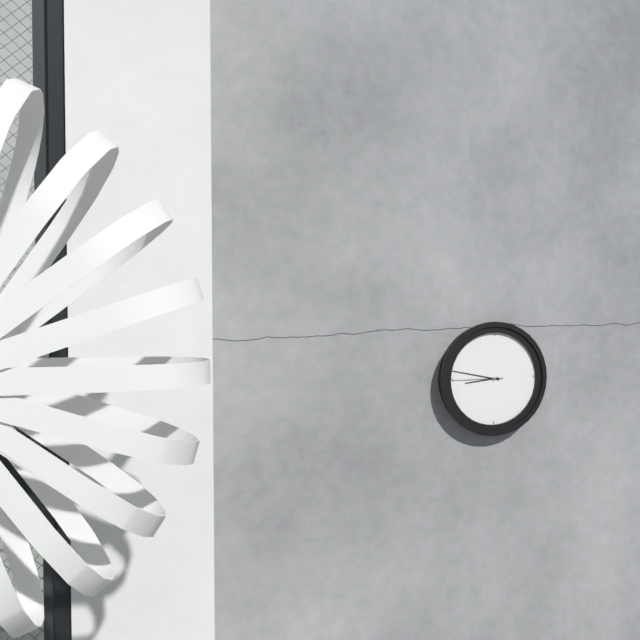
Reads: 8 h 47 min 45 s
